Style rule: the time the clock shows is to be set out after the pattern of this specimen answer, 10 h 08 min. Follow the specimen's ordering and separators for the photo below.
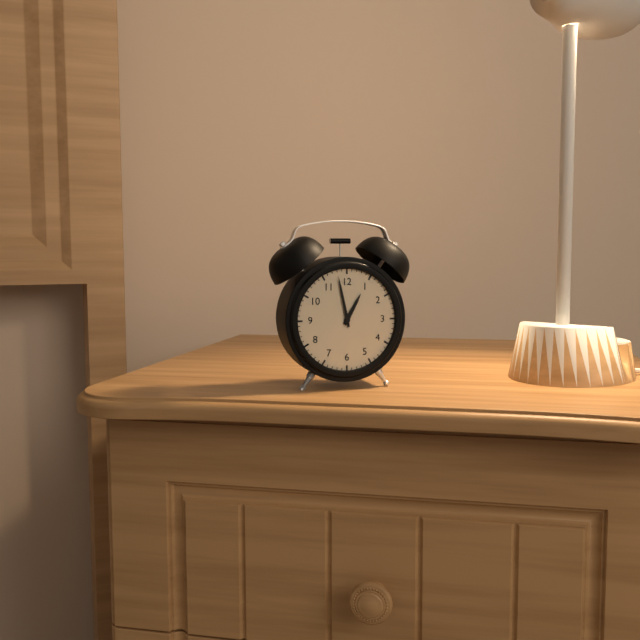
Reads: 12 h 58 min
